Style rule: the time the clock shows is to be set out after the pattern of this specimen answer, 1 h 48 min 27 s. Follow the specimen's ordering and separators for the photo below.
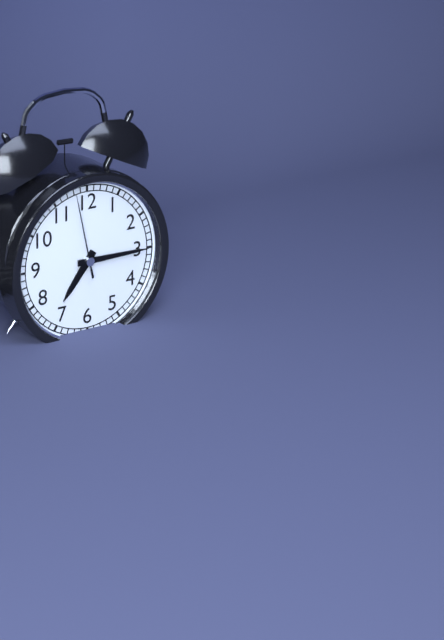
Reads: 7 h 15 min 58 s
